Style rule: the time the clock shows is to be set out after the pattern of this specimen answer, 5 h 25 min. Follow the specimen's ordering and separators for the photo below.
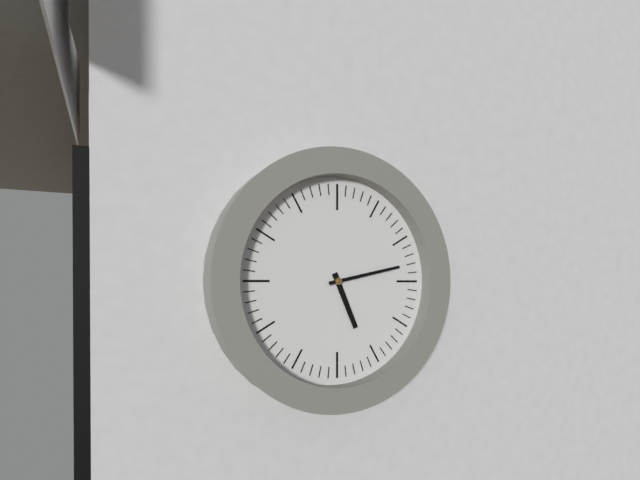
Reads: 5 h 13 min
